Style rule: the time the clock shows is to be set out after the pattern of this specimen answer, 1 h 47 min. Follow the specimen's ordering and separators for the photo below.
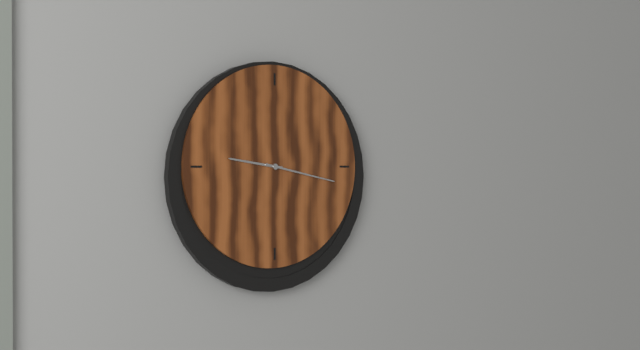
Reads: 9 h 17 min
